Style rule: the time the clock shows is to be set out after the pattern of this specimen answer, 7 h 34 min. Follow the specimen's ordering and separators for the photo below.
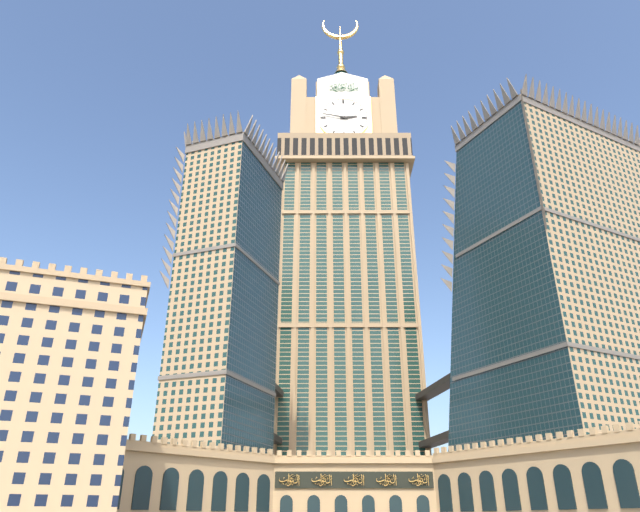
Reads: 2 h 47 min
